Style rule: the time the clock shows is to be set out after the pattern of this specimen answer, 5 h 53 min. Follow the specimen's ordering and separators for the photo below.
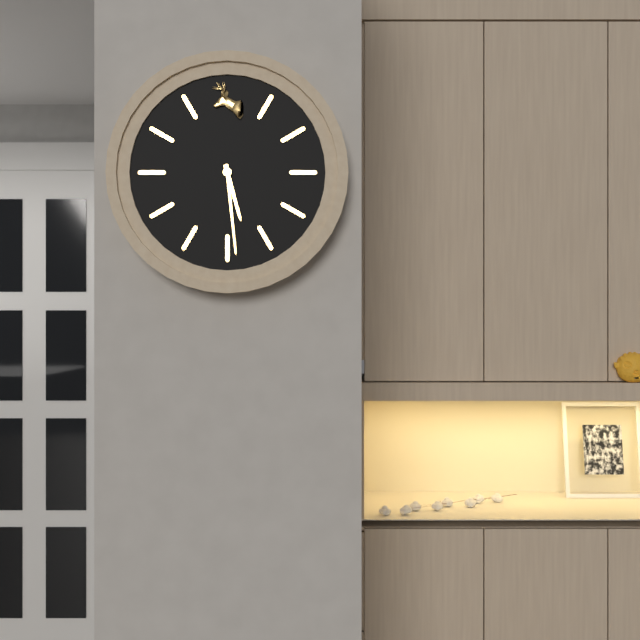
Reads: 5 h 29 min
